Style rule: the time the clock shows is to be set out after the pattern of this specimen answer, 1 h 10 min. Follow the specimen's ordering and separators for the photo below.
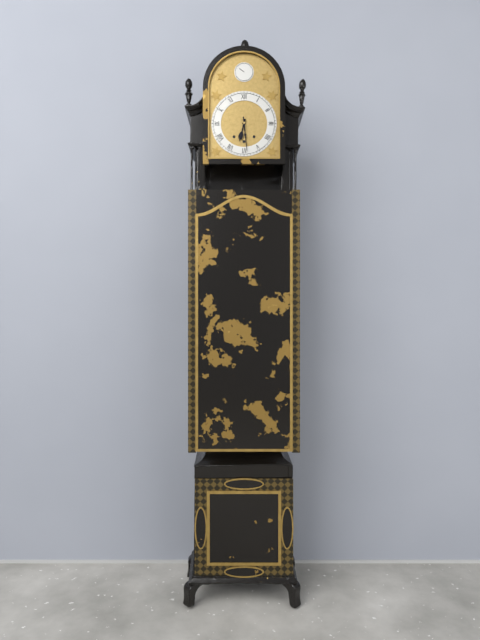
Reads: 6 h 29 min
